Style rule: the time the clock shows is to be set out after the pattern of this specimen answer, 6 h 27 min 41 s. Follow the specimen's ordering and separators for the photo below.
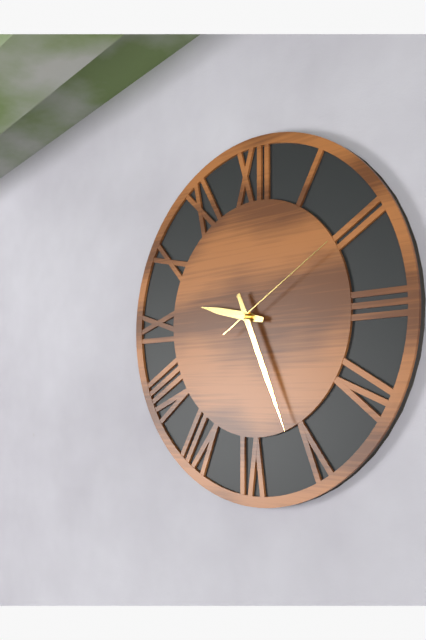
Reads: 9 h 26 min 10 s
